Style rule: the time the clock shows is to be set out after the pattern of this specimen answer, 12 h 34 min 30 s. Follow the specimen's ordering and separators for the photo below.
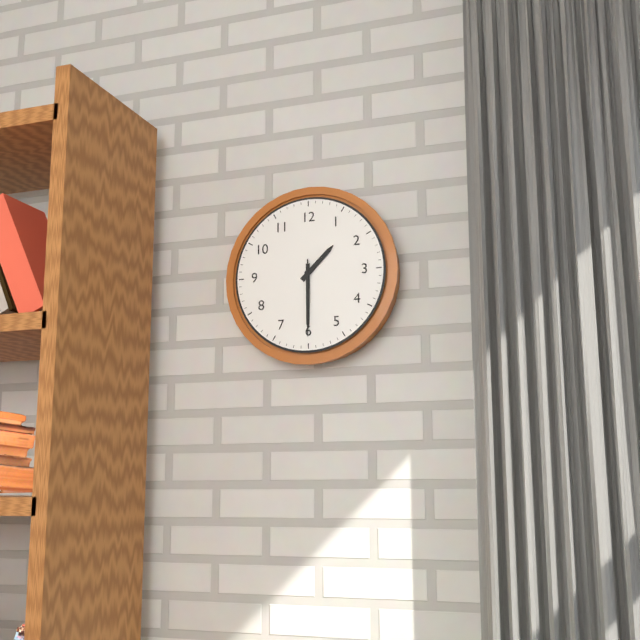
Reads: 1 h 30 min 30 s
